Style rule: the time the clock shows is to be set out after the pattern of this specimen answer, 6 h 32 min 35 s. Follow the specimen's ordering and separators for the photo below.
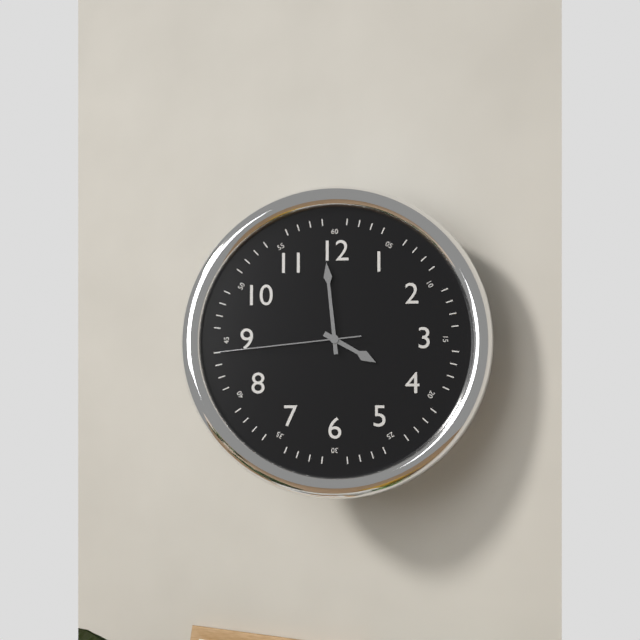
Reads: 3 h 59 min 44 s
